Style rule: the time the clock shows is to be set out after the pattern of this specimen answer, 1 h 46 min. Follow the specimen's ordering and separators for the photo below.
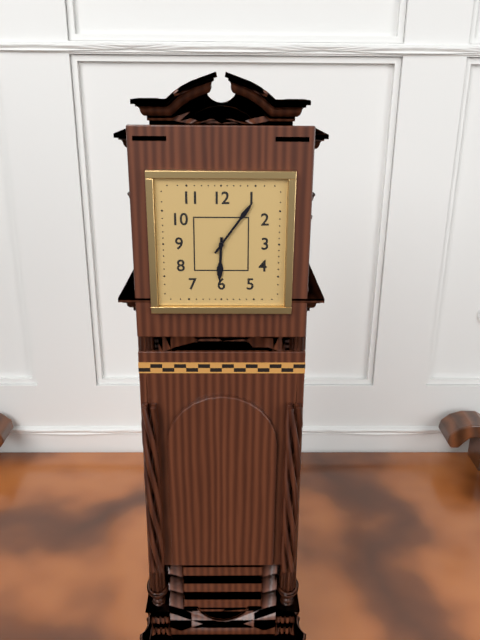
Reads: 6 h 06 min
